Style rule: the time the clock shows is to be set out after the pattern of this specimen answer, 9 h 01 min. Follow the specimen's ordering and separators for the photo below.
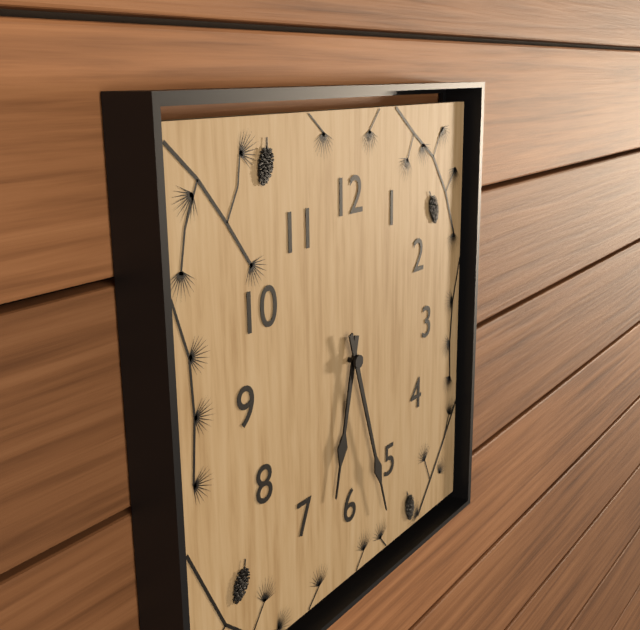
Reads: 6 h 27 min
